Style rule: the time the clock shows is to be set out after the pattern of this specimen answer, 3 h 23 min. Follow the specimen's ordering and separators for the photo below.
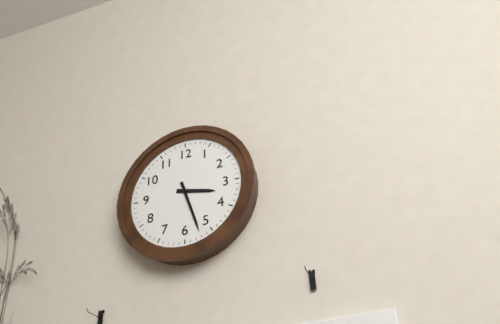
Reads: 3 h 27 min
